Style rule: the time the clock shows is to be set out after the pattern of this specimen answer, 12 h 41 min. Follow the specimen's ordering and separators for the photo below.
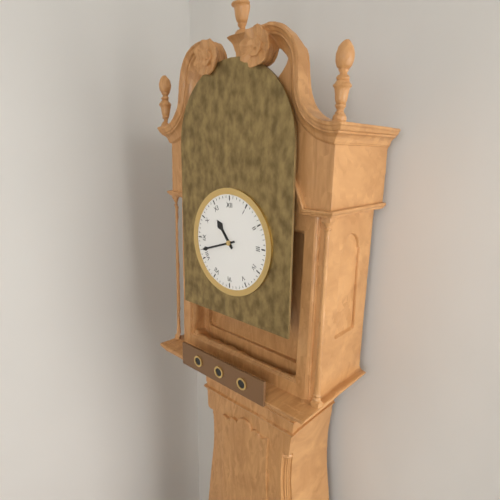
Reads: 10 h 42 min
